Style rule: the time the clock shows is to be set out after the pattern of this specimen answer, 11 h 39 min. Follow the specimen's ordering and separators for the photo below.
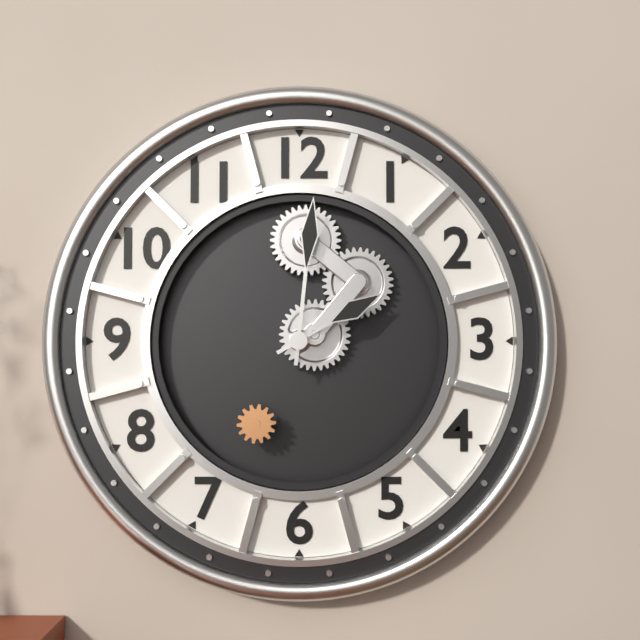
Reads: 2 h 01 min
